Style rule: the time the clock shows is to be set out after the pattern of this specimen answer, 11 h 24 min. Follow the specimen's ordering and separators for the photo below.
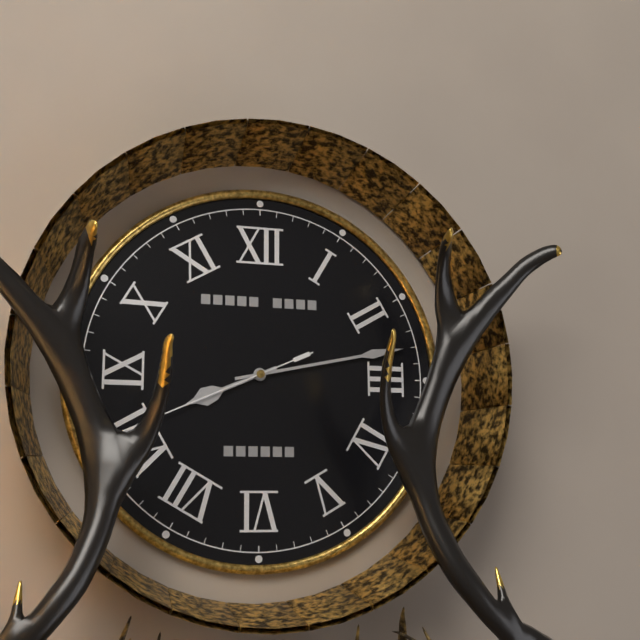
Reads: 8 h 13 min
